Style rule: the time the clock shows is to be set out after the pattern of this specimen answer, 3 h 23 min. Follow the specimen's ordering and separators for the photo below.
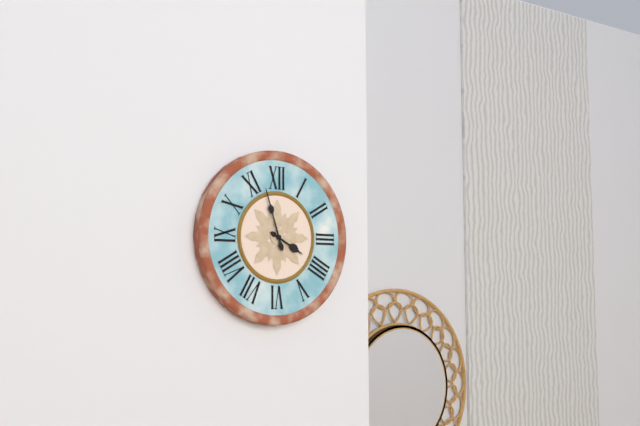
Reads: 3 h 57 min
